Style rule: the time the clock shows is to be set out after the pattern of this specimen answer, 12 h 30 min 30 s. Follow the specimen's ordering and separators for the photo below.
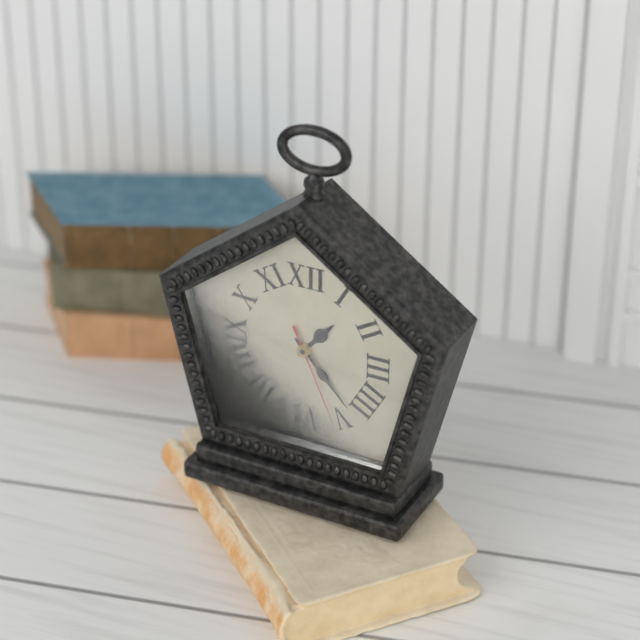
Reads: 1 h 23 min 26 s
